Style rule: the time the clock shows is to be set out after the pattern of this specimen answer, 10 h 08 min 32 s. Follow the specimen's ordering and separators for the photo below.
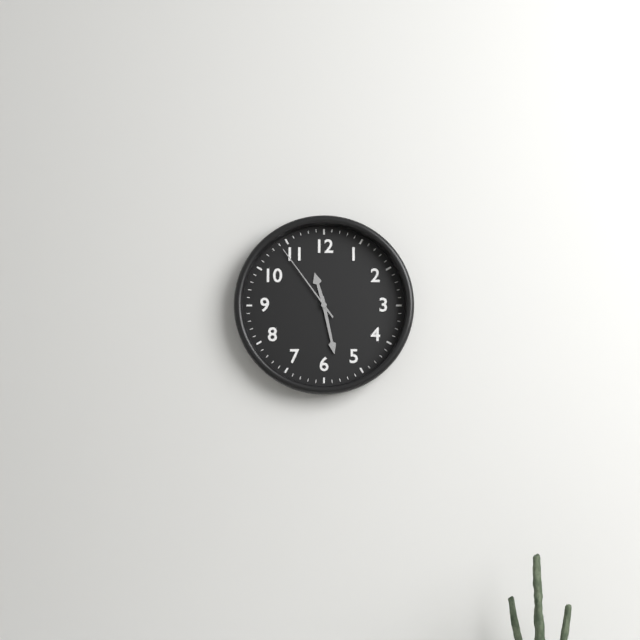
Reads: 11 h 28 min 54 s
